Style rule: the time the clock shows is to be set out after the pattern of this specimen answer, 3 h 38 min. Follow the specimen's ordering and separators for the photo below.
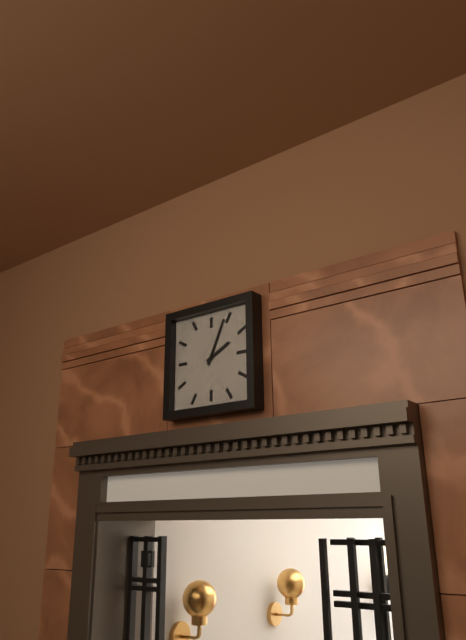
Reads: 2 h 04 min
